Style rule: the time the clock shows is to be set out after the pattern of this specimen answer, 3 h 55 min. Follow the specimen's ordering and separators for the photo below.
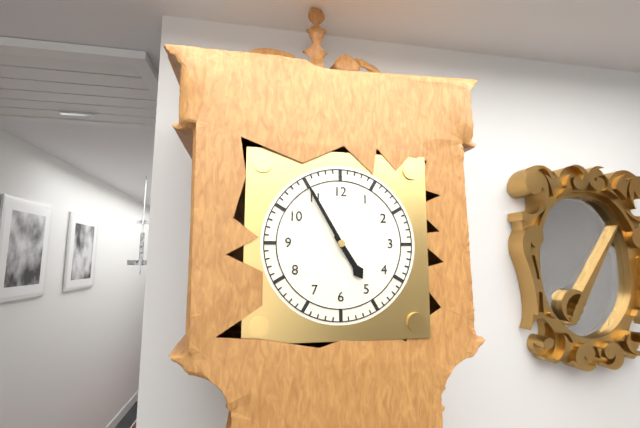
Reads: 4 h 55 min
